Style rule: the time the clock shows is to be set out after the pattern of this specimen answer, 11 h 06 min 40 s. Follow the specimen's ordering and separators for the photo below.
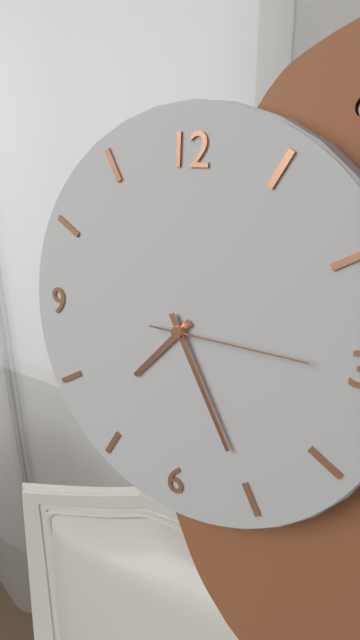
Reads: 7 h 25 min 15 s
